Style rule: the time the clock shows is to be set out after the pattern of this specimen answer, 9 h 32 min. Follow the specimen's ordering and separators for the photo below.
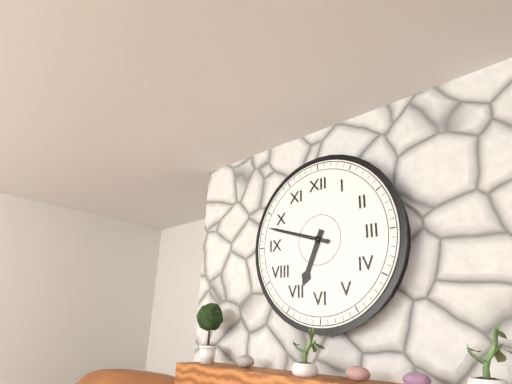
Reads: 6 h 48 min
